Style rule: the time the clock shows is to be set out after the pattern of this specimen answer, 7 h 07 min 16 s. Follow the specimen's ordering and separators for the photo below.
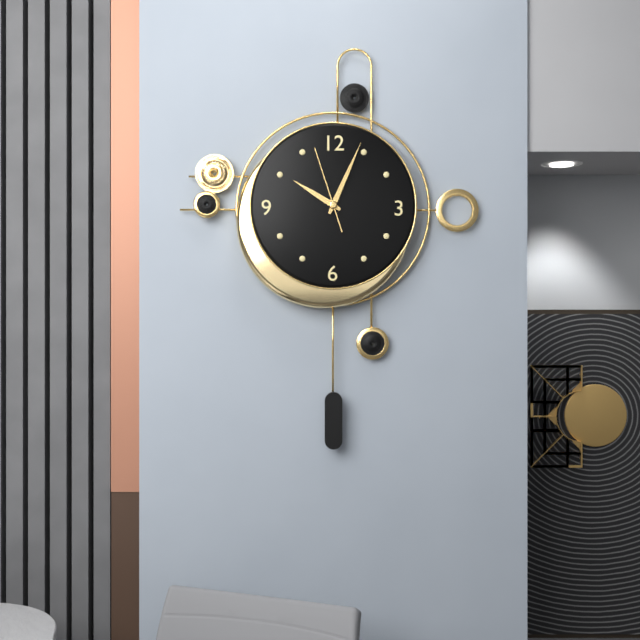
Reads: 10 h 04 min 57 s
